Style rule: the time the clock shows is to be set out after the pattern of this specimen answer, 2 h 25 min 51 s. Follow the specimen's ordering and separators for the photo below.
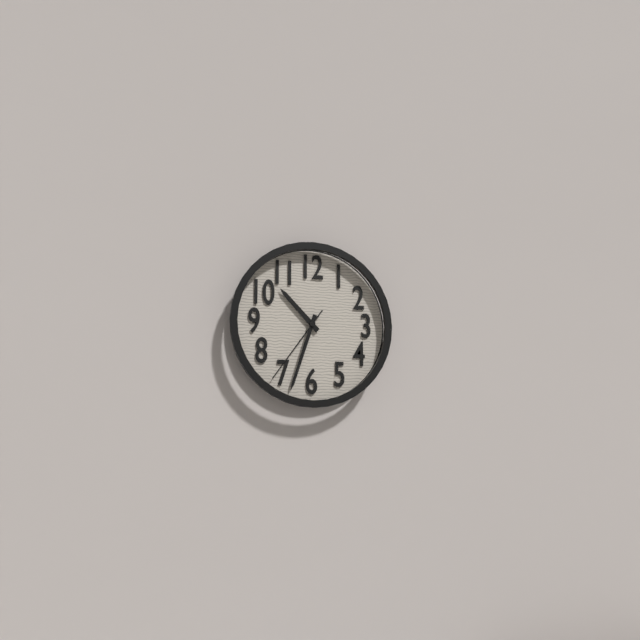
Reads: 10 h 33 min 36 s
